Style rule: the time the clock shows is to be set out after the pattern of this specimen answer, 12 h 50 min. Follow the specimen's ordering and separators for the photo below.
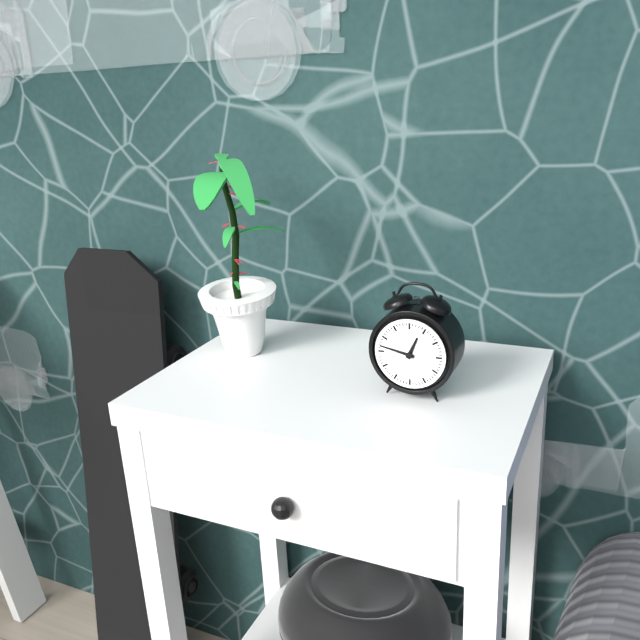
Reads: 12 h 47 min
